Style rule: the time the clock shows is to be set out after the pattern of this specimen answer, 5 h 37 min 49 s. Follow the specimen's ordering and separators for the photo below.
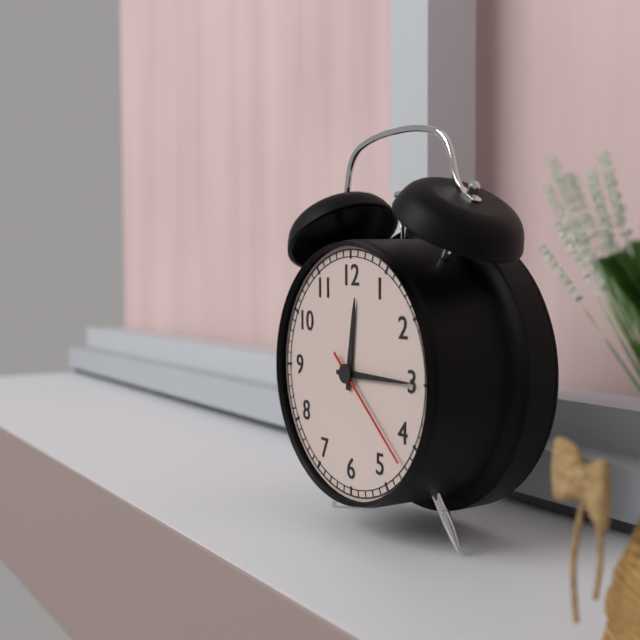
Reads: 12 h 15 min 22 s
